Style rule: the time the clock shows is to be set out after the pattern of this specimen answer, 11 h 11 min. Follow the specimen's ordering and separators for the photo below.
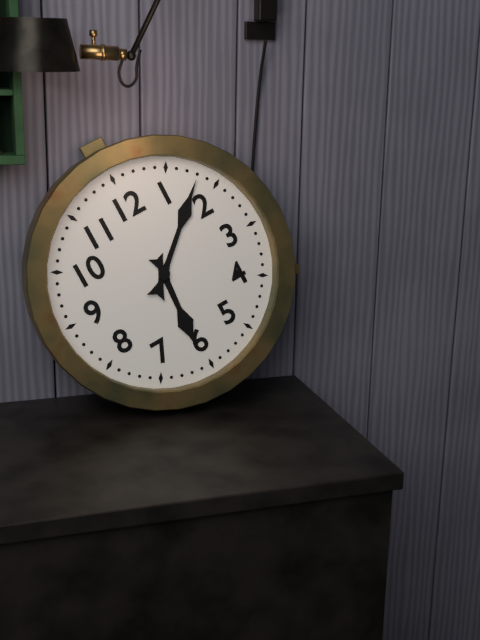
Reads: 6 h 08 min
